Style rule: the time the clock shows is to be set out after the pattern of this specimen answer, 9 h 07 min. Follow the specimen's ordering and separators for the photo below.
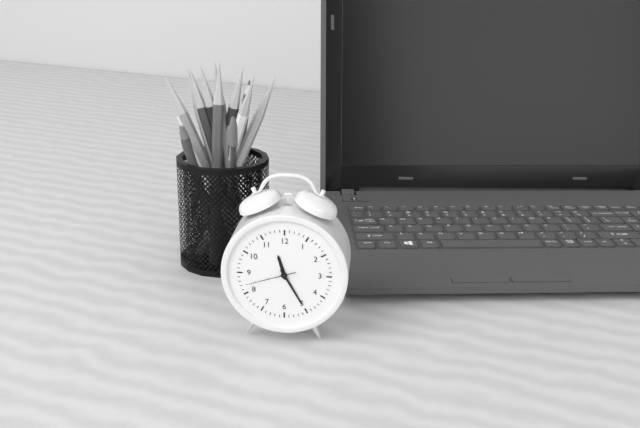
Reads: 11 h 25 min
